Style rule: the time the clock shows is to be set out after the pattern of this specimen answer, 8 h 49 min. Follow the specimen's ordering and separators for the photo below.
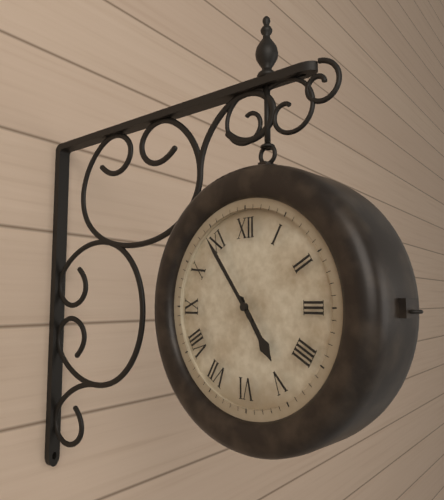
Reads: 4 h 54 min
